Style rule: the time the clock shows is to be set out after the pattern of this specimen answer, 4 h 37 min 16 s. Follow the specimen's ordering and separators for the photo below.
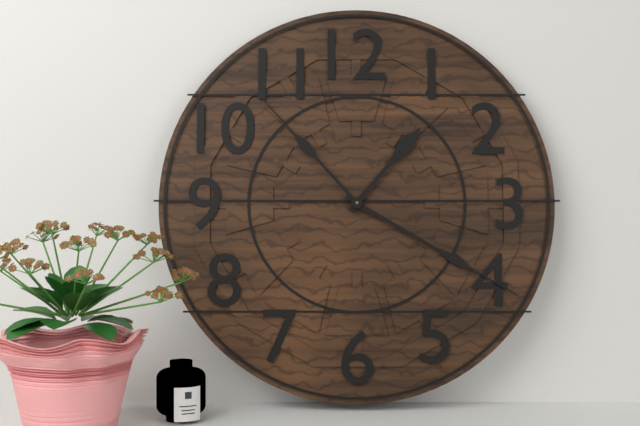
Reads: 1 h 20 min 53 s
